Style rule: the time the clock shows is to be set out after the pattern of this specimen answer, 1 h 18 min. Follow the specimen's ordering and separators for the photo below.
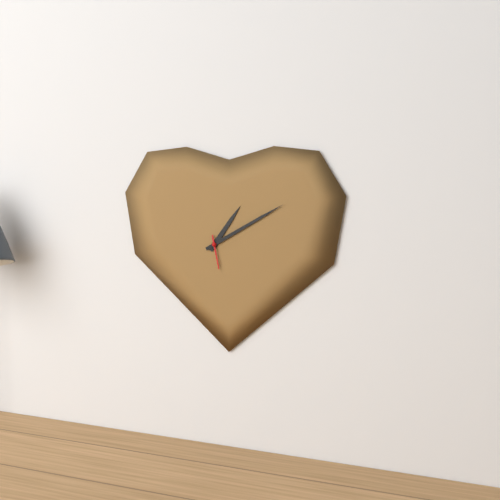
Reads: 1 h 10 min
